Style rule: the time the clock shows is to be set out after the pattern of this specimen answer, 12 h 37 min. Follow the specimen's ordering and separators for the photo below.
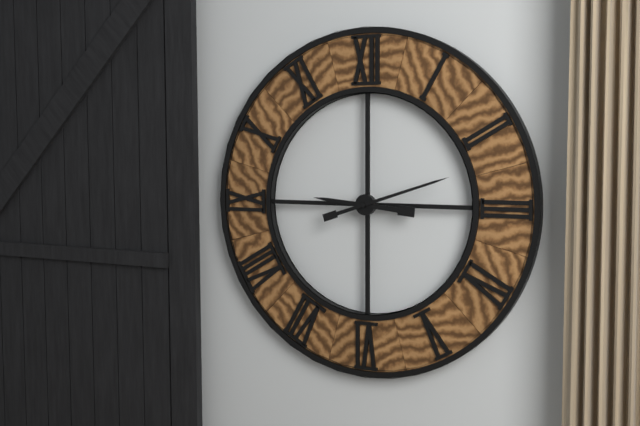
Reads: 9 h 12 min
